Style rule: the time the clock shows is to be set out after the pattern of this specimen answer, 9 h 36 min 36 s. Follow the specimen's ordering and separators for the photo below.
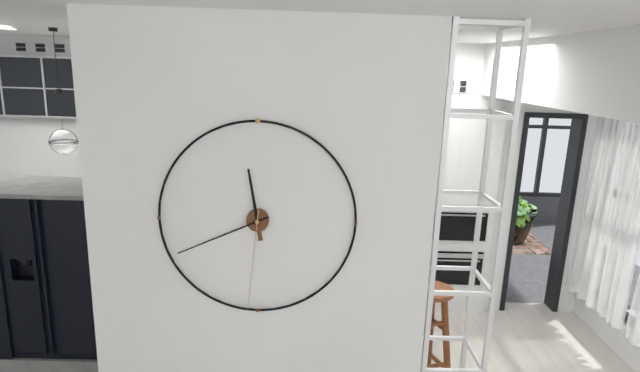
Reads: 11 h 41 min 31 s
